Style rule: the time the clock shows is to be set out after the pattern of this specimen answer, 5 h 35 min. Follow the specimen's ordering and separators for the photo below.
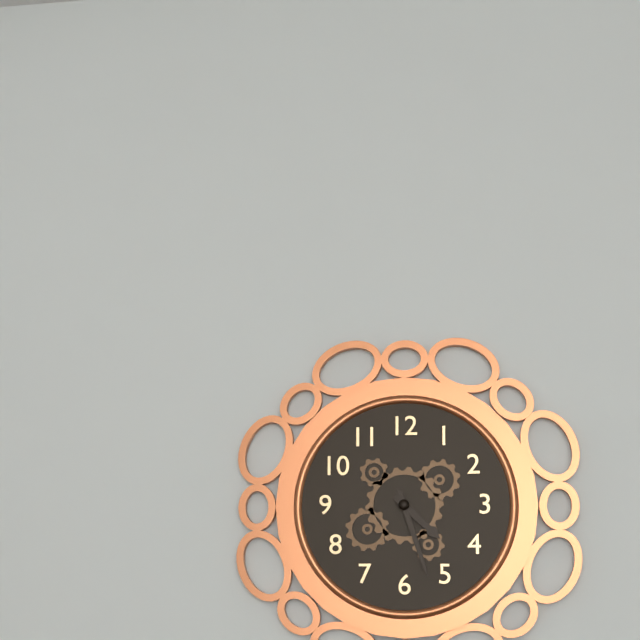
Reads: 4 h 27 min
